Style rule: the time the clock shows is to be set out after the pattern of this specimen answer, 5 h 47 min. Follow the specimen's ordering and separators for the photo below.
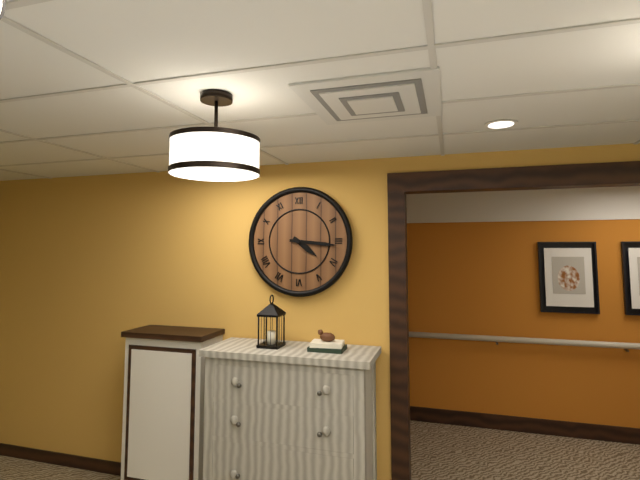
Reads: 4 h 16 min
